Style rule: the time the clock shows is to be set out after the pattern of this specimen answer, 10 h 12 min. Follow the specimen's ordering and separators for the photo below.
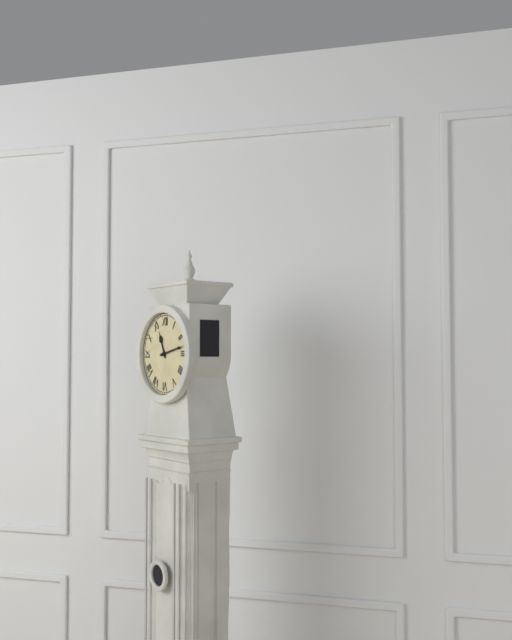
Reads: 11 h 13 min
